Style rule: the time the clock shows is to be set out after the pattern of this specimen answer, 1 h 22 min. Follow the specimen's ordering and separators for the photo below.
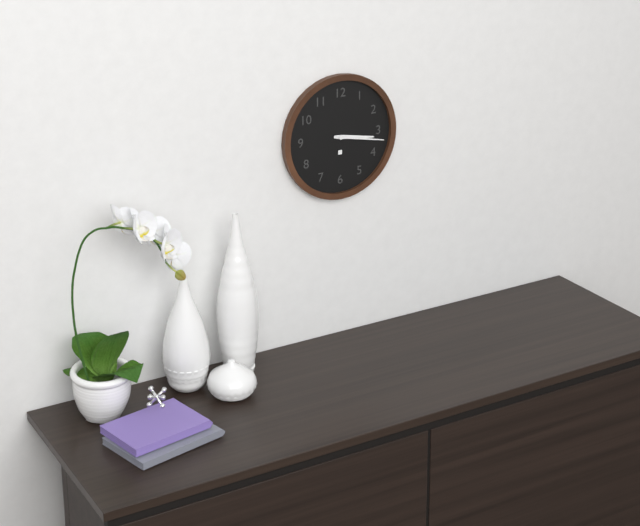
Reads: 3 h 17 min
